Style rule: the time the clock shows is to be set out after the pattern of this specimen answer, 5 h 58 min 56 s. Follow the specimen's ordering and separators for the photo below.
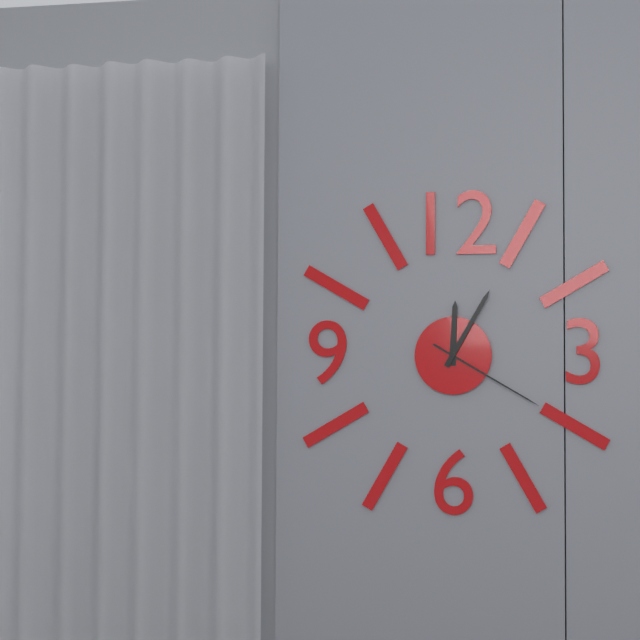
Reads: 12 h 05 min 20 s
